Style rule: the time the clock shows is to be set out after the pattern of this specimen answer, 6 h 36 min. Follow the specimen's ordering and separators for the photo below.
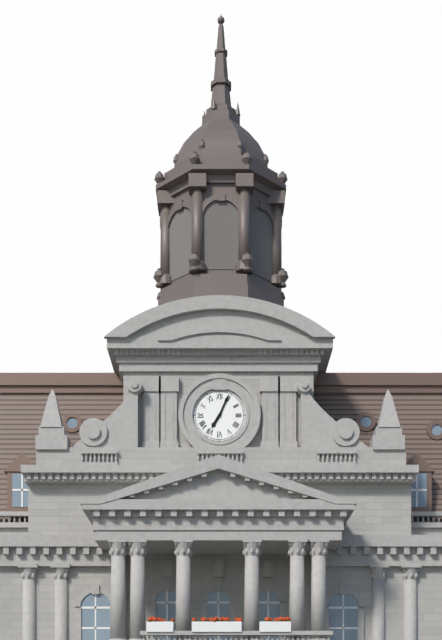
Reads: 7 h 04 min
